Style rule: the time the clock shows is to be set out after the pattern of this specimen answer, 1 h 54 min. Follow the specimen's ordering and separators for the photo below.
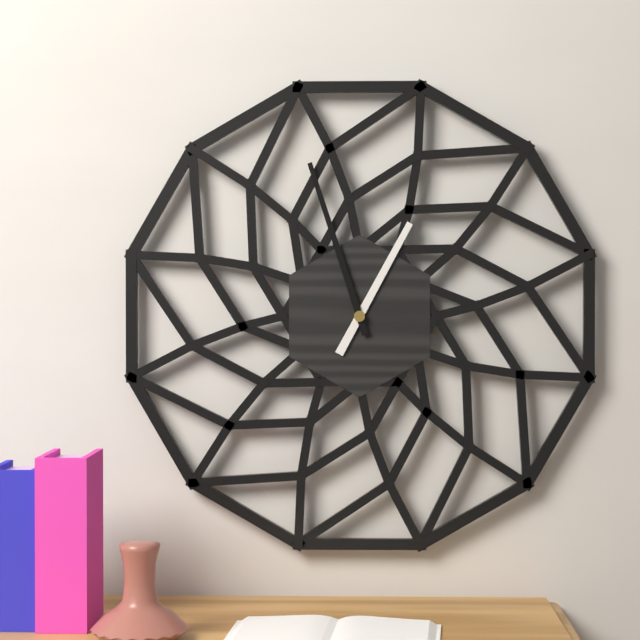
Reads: 12 h 57 min
